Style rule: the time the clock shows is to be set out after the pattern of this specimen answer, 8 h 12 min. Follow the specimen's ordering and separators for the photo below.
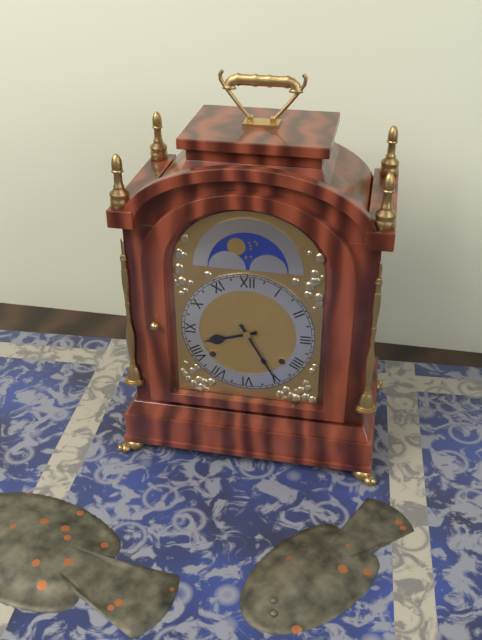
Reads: 8 h 25 min
